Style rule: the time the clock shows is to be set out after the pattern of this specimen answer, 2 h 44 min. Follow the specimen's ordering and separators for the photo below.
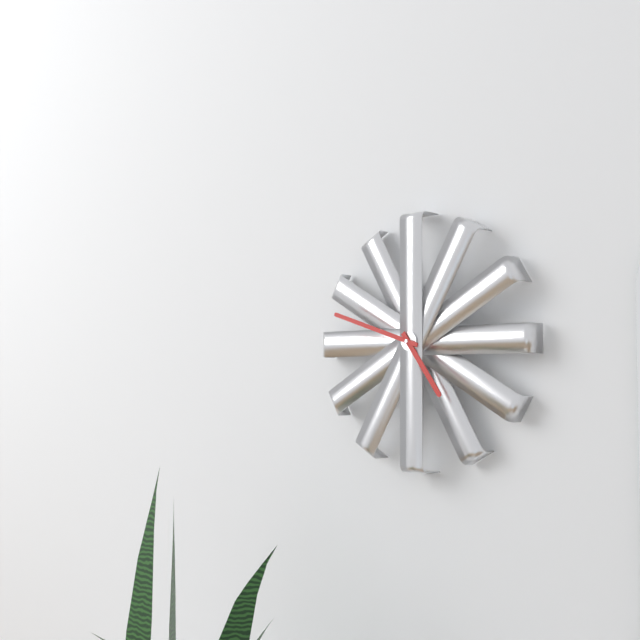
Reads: 4 h 48 min
